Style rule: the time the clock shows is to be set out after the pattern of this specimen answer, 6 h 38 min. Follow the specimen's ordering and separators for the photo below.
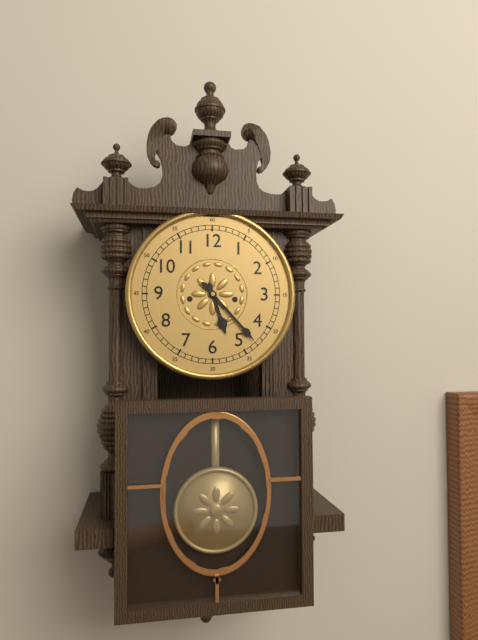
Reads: 5 h 23 min
